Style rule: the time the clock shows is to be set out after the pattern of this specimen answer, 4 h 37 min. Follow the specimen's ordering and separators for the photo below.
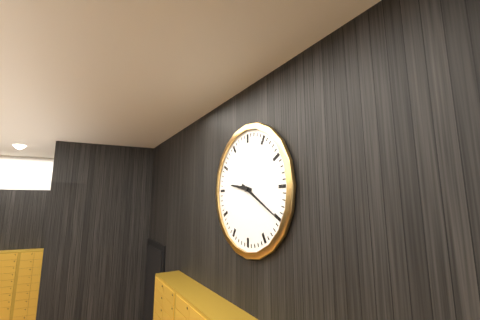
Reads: 9 h 20 min
